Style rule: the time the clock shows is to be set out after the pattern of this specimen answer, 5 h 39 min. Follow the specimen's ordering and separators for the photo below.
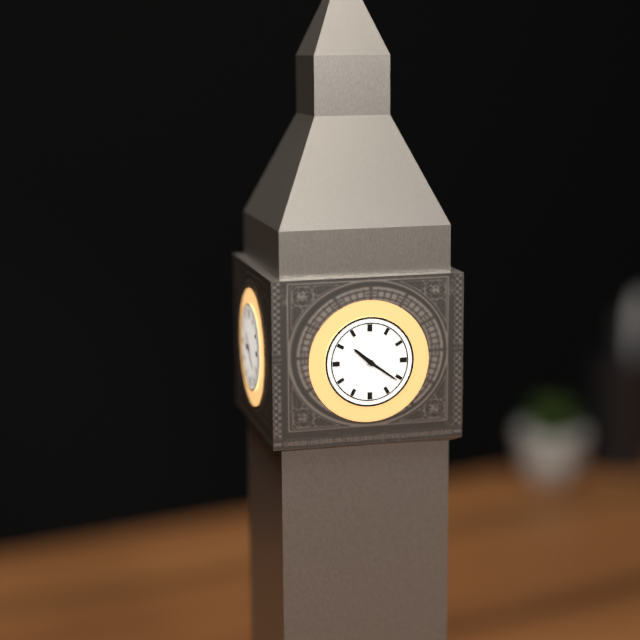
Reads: 10 h 21 min
